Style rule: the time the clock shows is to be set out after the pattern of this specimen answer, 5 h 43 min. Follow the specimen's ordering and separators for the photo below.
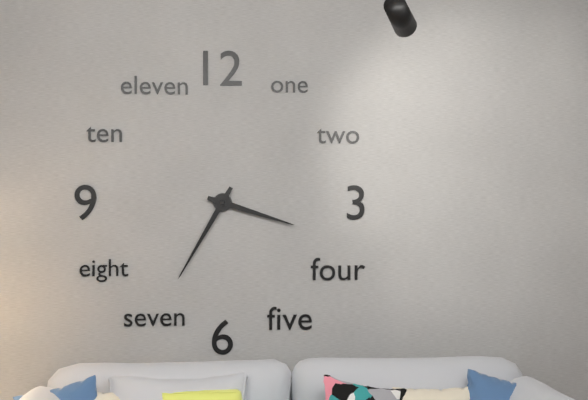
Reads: 3 h 35 min
